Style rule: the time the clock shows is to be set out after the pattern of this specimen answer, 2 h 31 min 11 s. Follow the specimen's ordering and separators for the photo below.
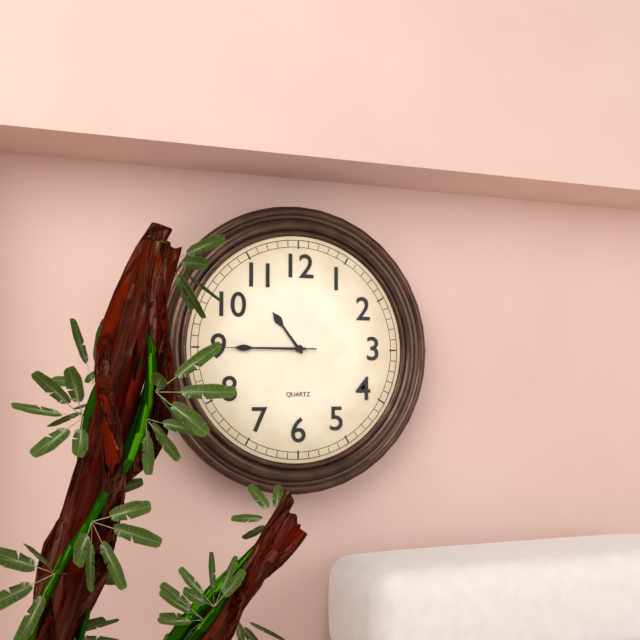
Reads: 10 h 45 min 45 s
